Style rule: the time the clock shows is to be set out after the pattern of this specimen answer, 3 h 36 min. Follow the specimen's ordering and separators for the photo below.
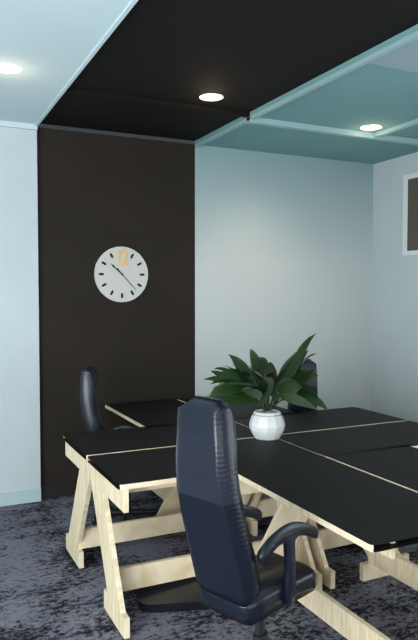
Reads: 10 h 23 min
